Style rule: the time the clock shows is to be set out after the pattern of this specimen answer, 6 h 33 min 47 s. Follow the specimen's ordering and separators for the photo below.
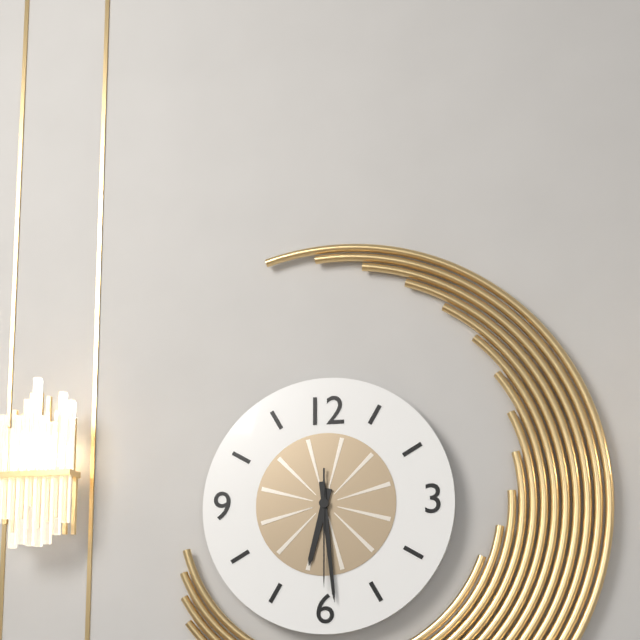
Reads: 6 h 29 min 30 s
